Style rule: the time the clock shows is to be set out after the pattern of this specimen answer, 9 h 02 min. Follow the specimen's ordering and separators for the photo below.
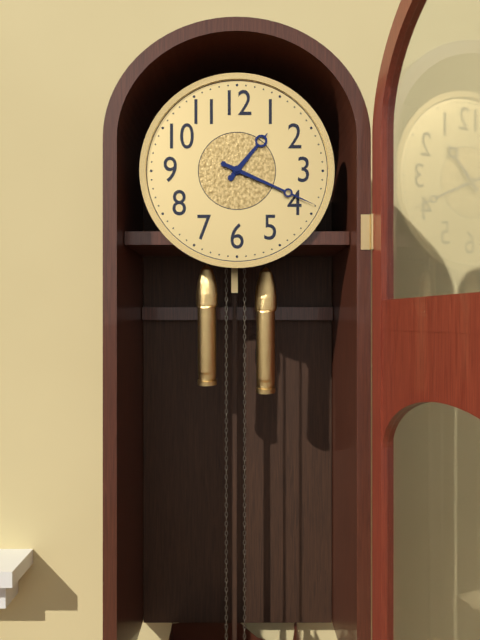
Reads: 1 h 19 min
